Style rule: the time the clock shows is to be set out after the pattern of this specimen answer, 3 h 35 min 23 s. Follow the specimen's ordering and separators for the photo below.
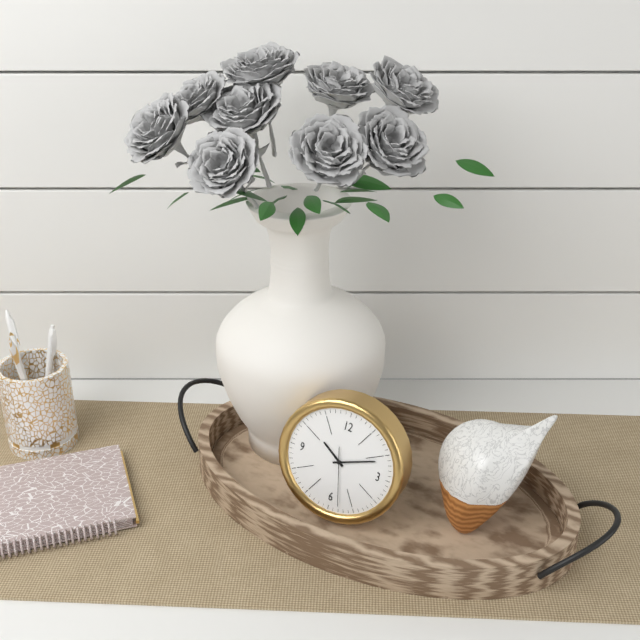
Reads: 10 h 11 min 28 s
